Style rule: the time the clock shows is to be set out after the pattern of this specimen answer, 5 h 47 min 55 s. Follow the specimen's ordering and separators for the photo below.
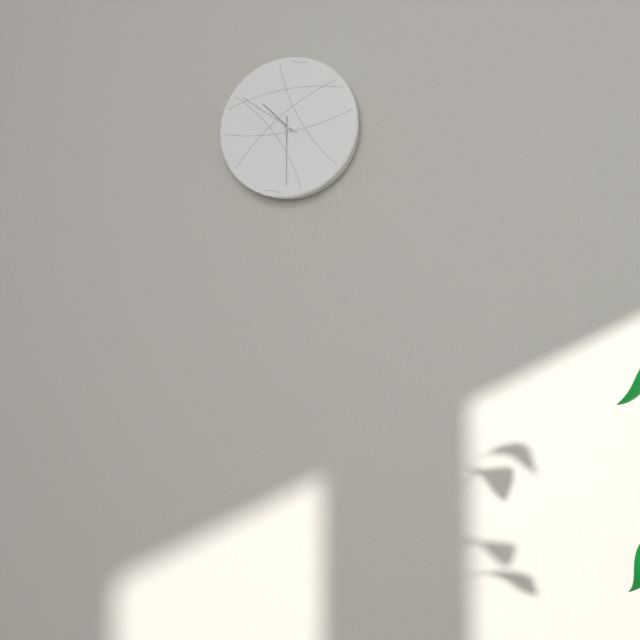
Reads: 10 h 30 min 51 s
